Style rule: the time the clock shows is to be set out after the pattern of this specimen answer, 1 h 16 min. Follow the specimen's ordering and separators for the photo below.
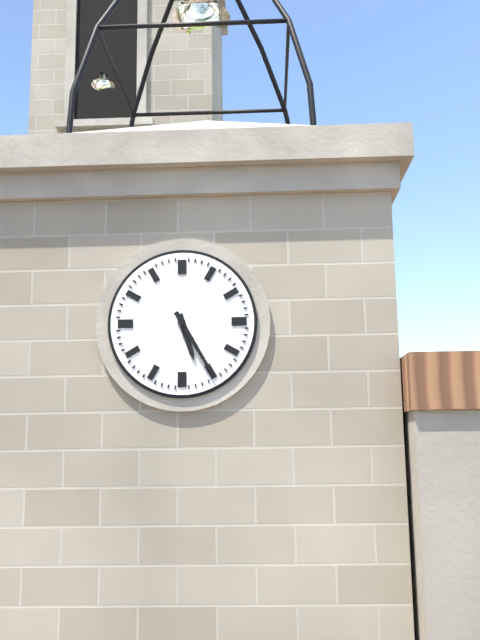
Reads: 5 h 25 min
